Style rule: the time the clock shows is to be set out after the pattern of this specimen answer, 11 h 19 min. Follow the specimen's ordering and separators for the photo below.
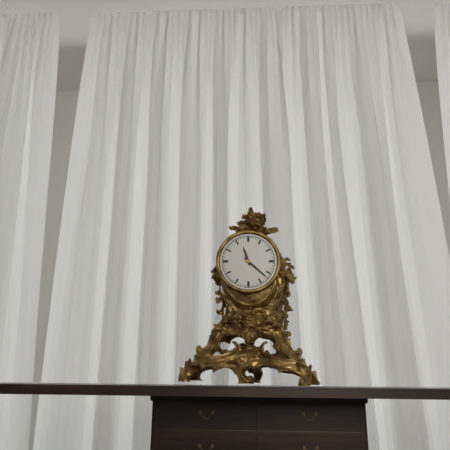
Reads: 11 h 22 min
